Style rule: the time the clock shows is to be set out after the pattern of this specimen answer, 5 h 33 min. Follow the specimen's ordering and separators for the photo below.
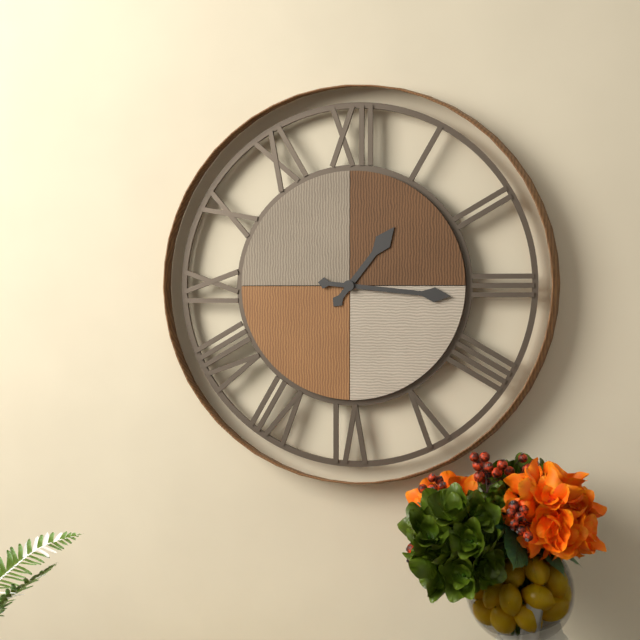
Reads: 1 h 16 min
